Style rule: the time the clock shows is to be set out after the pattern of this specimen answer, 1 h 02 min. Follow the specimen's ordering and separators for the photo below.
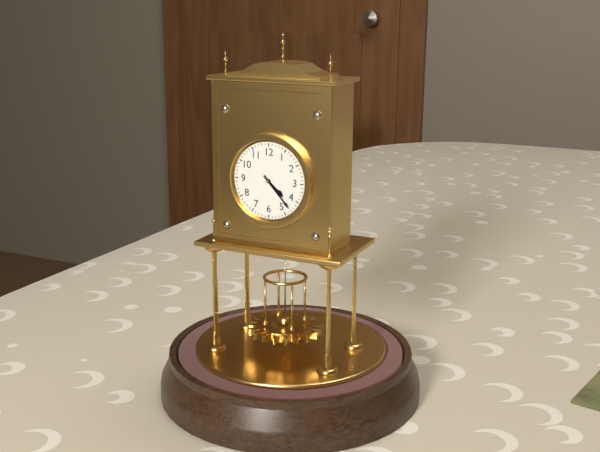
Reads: 4 h 23 min
